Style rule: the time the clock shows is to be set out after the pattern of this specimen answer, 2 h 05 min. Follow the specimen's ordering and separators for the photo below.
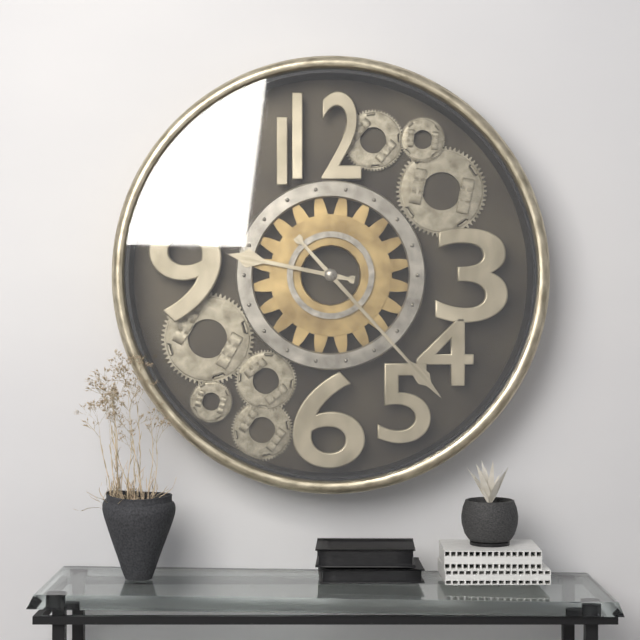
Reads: 9 h 23 min
